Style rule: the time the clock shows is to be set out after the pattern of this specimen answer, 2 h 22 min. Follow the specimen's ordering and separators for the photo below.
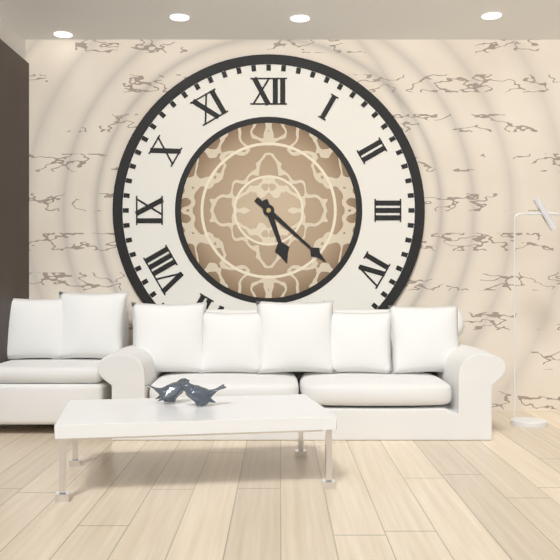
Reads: 5 h 22 min
